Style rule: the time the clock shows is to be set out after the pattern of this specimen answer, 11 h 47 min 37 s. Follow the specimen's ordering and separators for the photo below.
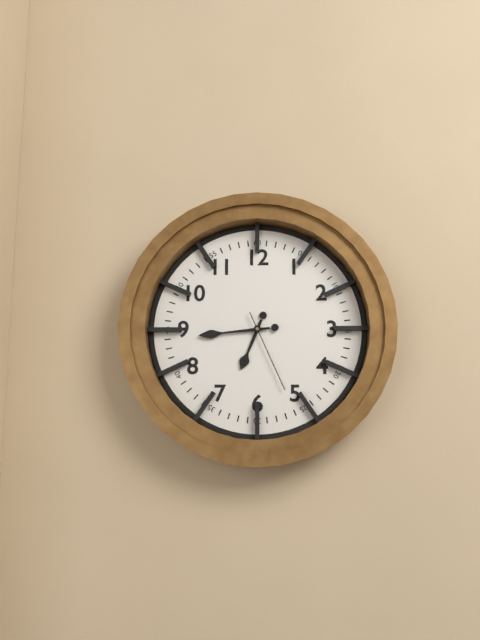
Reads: 6 h 44 min 26 s
